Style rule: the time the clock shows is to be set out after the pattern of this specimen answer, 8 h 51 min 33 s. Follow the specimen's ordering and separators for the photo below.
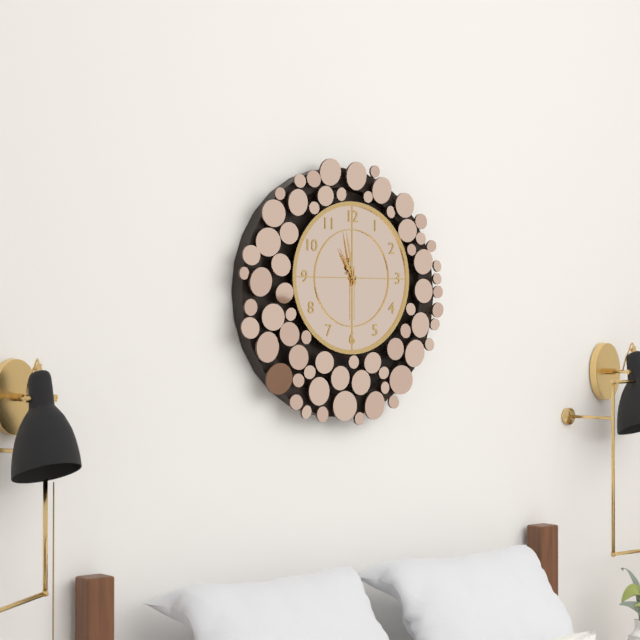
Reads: 10 h 58 min 30 s
